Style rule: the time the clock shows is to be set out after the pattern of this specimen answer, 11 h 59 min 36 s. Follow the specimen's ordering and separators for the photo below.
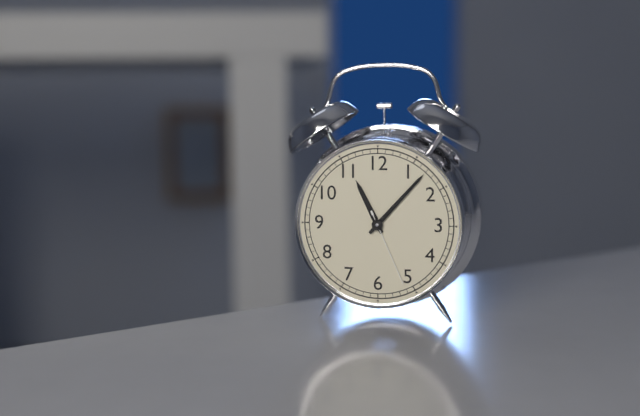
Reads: 11 h 07 min 26 s
